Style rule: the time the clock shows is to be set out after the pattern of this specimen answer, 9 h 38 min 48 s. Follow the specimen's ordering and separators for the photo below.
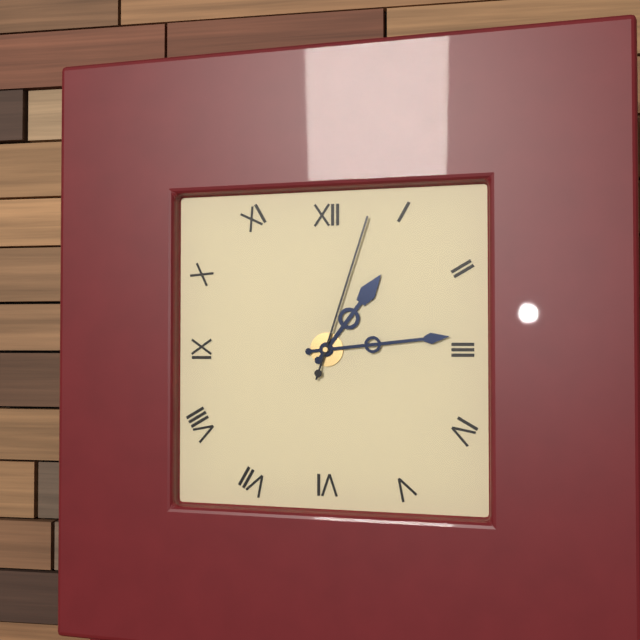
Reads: 1 h 14 min 03 s
